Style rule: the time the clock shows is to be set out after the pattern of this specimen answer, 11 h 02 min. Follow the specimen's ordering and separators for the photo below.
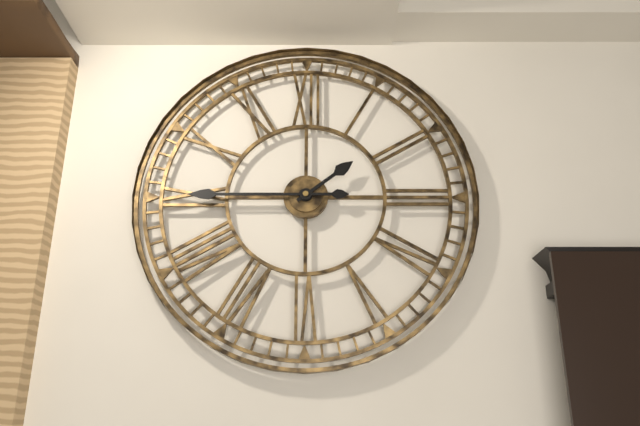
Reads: 1 h 45 min
